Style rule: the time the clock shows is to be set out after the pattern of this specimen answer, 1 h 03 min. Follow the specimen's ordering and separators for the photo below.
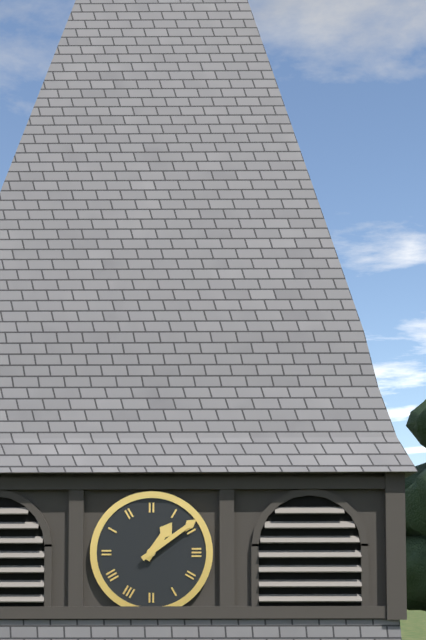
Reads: 1 h 09 min
